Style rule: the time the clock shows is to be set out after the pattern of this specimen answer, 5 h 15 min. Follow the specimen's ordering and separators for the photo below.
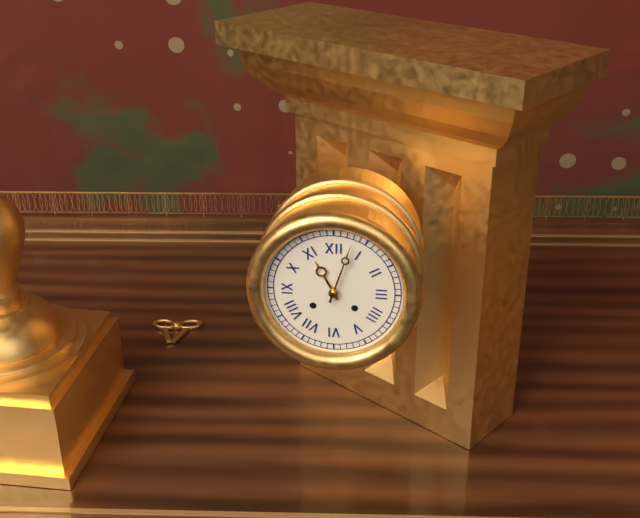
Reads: 11 h 03 min
